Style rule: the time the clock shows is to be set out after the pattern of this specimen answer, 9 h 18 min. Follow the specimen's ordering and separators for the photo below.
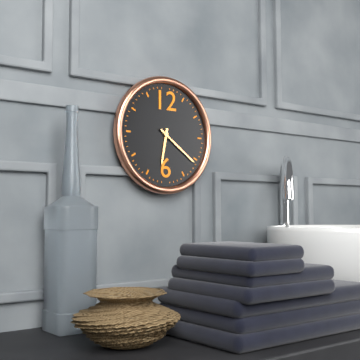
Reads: 6 h 21 min
